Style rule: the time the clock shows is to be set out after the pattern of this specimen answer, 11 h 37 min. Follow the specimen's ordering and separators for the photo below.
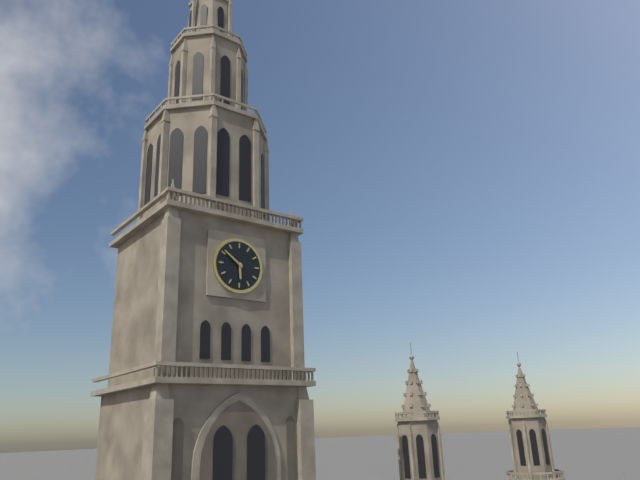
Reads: 5 h 51 min
